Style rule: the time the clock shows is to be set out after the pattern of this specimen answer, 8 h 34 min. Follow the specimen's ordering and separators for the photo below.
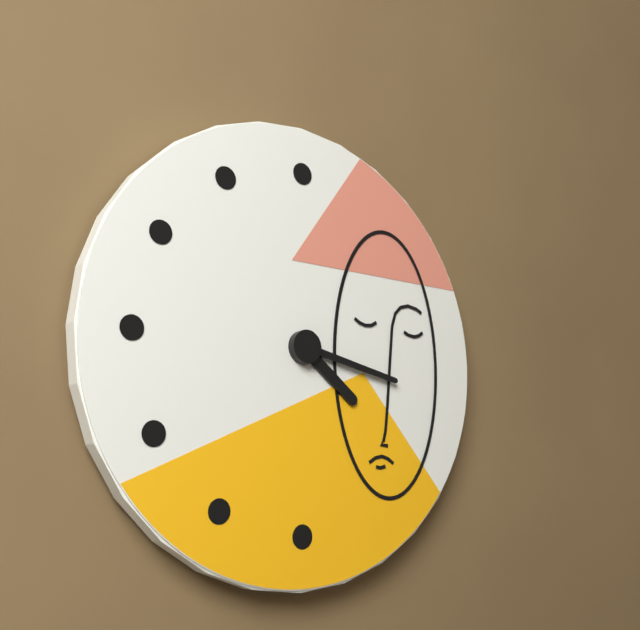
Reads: 4 h 17 min
